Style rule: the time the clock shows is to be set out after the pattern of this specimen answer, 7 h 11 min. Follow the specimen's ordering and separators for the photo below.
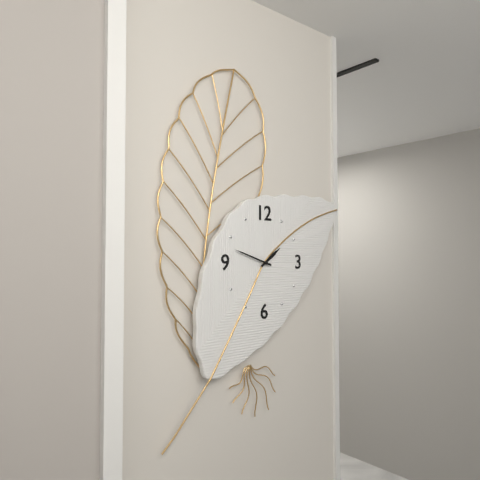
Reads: 1 h 48 min
